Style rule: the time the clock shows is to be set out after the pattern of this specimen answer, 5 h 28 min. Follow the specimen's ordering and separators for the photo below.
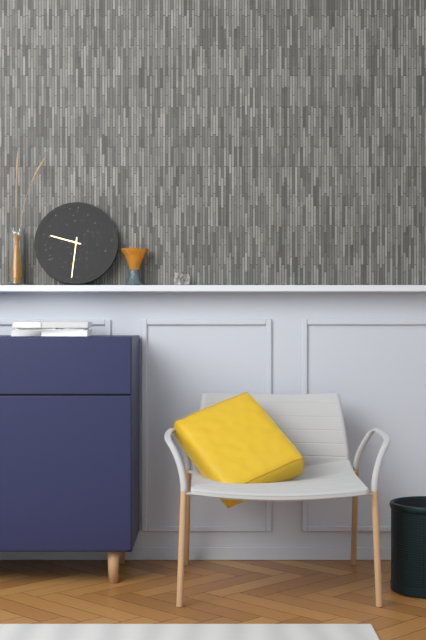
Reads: 9 h 31 min
